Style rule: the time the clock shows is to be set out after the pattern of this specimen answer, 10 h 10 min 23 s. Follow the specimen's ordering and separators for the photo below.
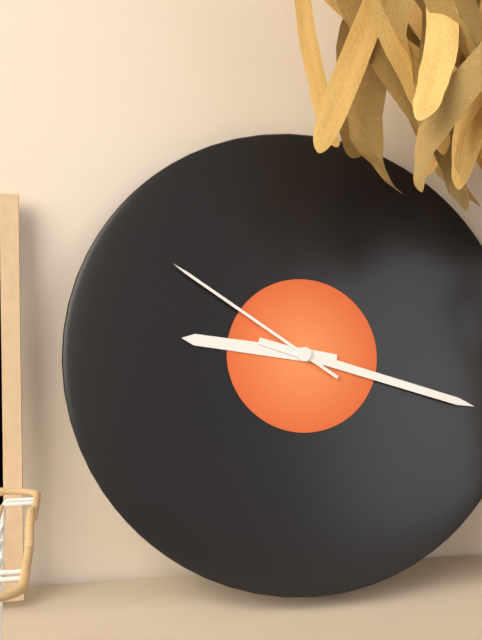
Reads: 9 h 18 min 51 s
